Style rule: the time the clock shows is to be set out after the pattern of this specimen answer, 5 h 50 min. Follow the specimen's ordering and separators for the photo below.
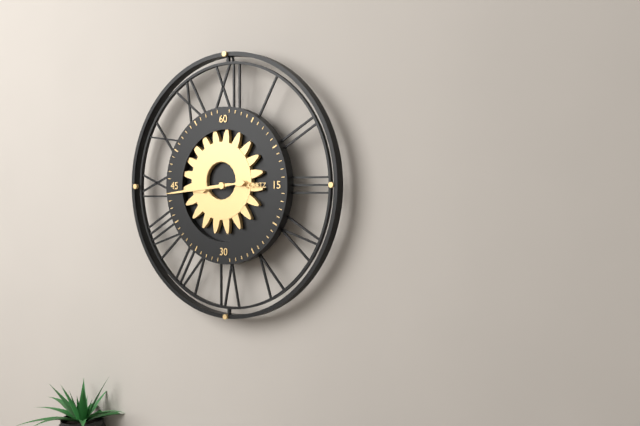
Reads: 8 h 44 min
